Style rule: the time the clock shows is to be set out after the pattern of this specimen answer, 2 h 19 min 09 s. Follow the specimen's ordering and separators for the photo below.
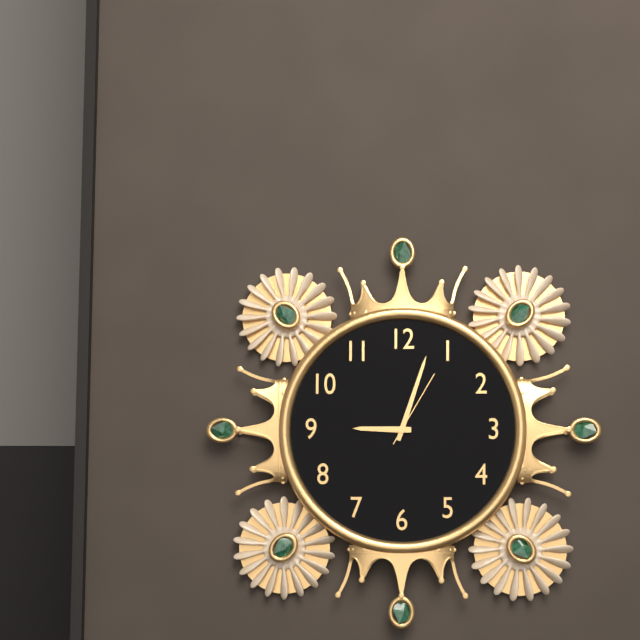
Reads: 9 h 03 min 05 s
